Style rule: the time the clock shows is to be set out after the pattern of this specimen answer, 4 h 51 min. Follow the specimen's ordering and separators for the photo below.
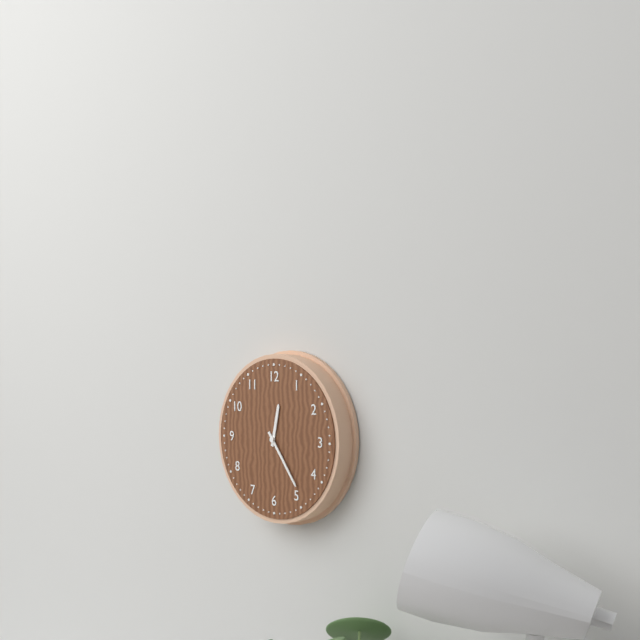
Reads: 12 h 24 min
